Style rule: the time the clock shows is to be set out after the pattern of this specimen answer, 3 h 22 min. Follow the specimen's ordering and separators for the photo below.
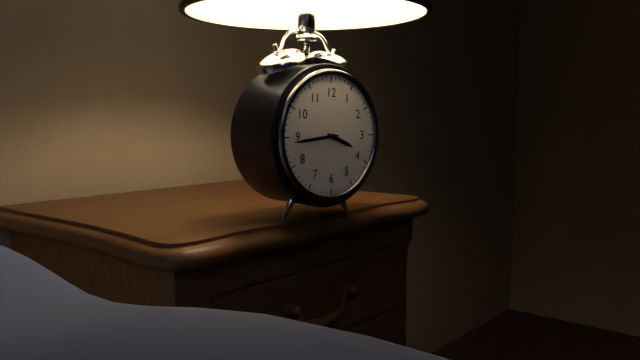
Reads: 3 h 44 min
